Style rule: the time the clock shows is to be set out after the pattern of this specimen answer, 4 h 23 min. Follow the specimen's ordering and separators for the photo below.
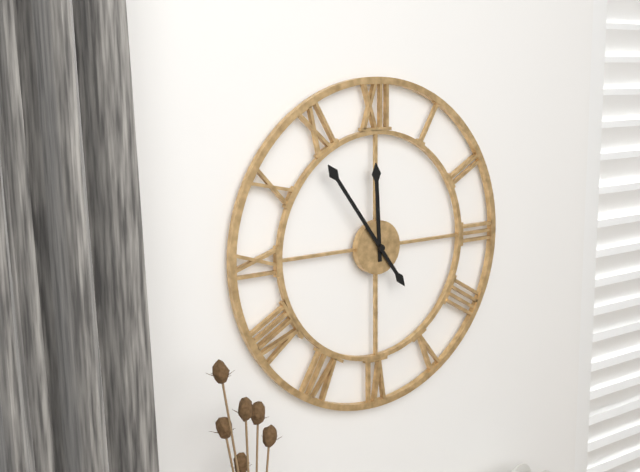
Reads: 11 h 54 min
